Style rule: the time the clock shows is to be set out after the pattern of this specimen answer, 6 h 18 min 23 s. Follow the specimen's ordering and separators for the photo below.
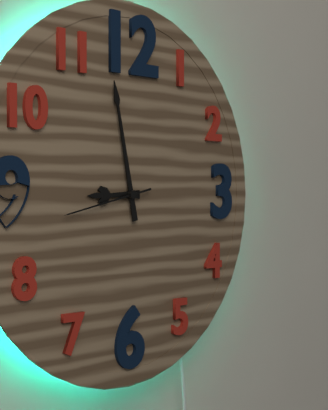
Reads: 8 h 58 min 43 s
